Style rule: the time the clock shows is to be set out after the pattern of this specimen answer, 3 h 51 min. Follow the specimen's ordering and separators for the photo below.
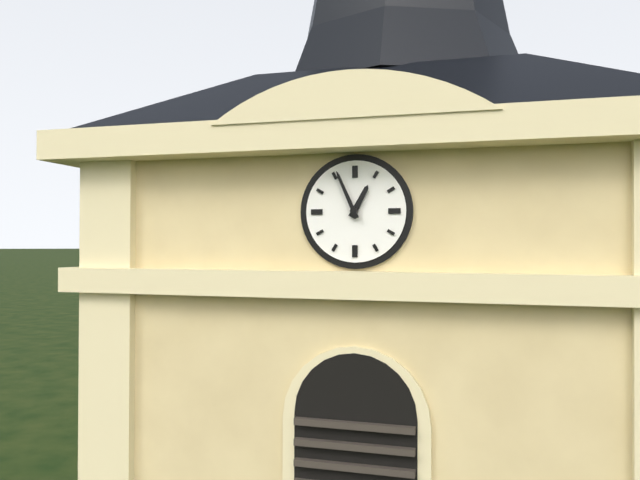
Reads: 12 h 56 min
